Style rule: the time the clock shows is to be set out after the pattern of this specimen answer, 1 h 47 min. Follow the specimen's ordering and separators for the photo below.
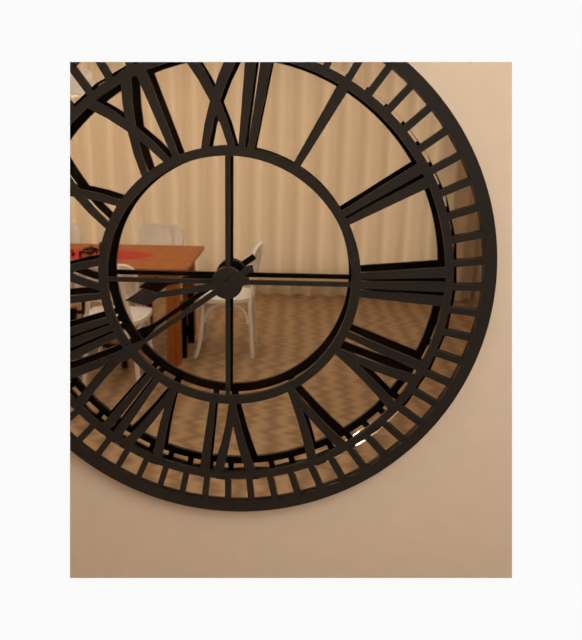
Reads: 8 h 39 min
